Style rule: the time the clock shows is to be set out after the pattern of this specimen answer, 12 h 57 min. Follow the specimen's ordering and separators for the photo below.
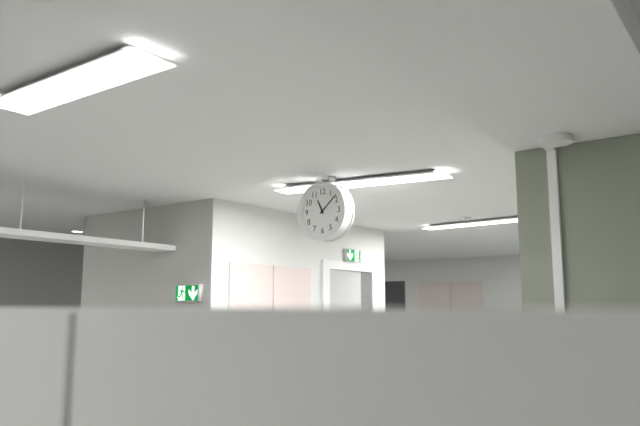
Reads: 11 h 08 min
